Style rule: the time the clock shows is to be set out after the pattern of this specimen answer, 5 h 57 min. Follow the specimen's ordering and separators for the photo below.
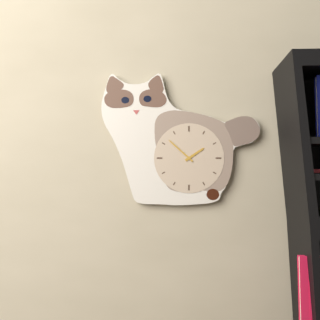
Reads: 1 h 52 min
